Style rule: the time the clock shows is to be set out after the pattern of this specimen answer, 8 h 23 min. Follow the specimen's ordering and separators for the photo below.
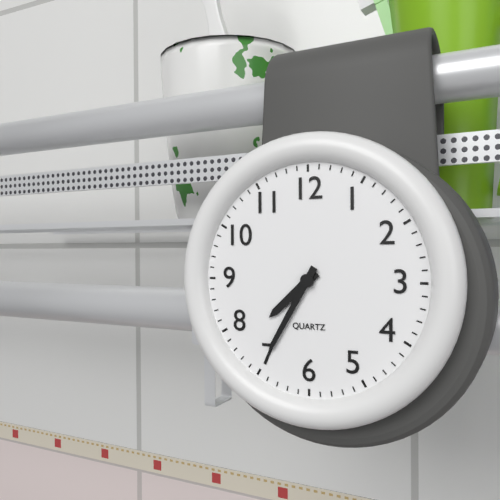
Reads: 7 h 35 min
